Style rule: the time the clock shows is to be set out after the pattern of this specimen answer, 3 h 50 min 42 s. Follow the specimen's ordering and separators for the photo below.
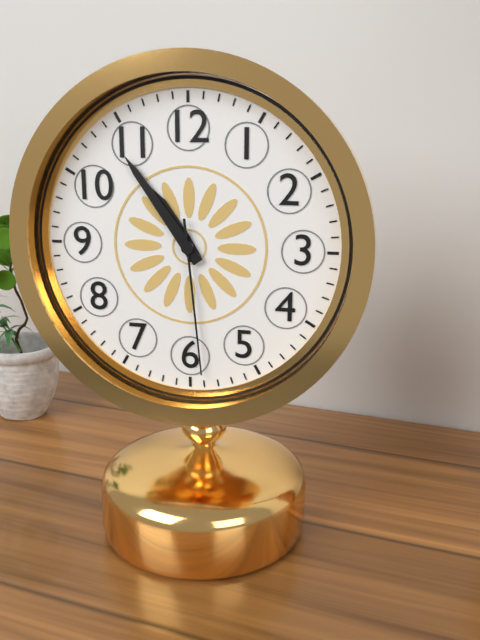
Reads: 10 h 54 min 29 s
